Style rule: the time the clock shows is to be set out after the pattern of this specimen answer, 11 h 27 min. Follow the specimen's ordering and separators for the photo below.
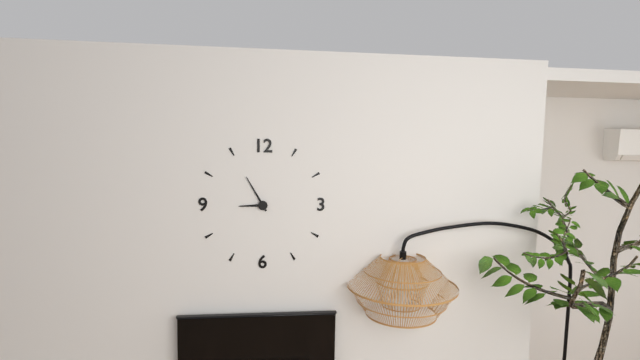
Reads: 8 h 55 min
